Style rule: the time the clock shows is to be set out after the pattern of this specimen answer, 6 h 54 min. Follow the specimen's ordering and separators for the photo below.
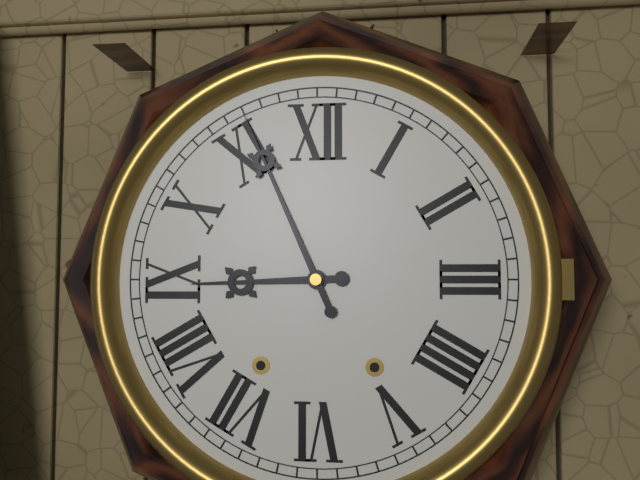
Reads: 8 h 56 min
